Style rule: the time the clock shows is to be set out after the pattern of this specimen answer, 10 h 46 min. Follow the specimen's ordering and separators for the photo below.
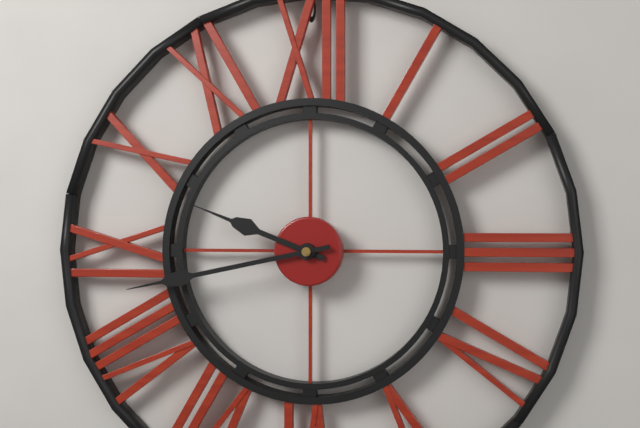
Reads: 9 h 43 min
